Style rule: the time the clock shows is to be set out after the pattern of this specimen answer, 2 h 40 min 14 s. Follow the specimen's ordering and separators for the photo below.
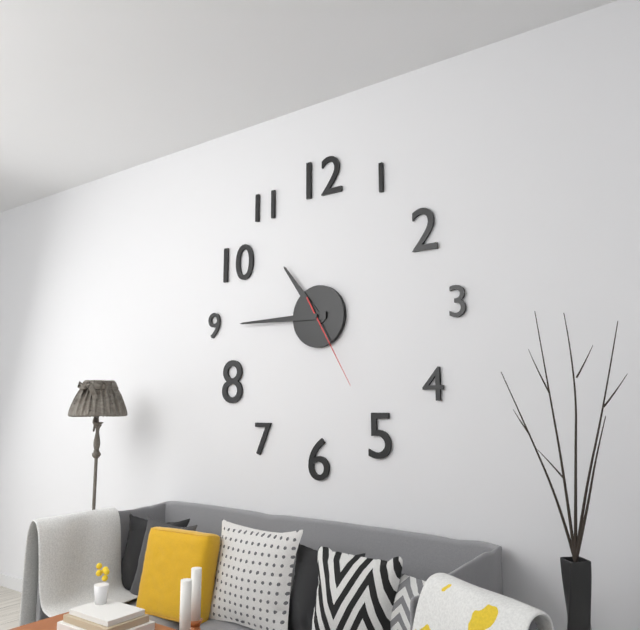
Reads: 10 h 45 min 25 s
